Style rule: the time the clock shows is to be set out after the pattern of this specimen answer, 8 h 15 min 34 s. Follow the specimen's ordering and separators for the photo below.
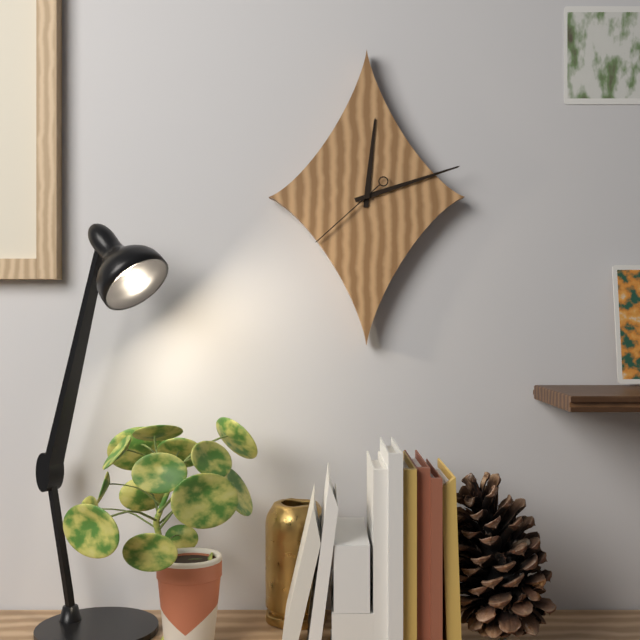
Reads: 12 h 12 min 38 s
